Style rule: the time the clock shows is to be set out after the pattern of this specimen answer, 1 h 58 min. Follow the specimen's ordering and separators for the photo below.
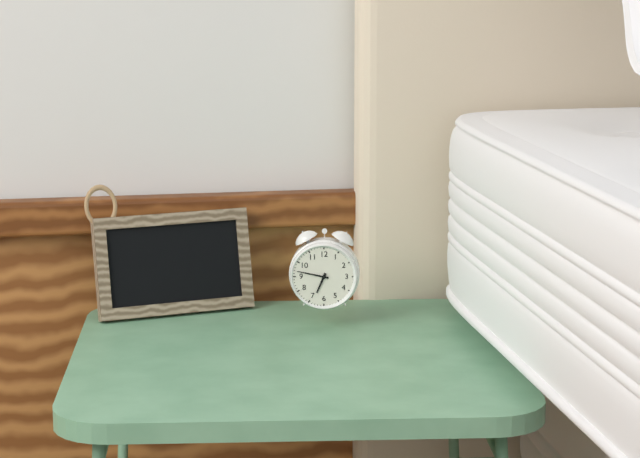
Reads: 6 h 47 min
